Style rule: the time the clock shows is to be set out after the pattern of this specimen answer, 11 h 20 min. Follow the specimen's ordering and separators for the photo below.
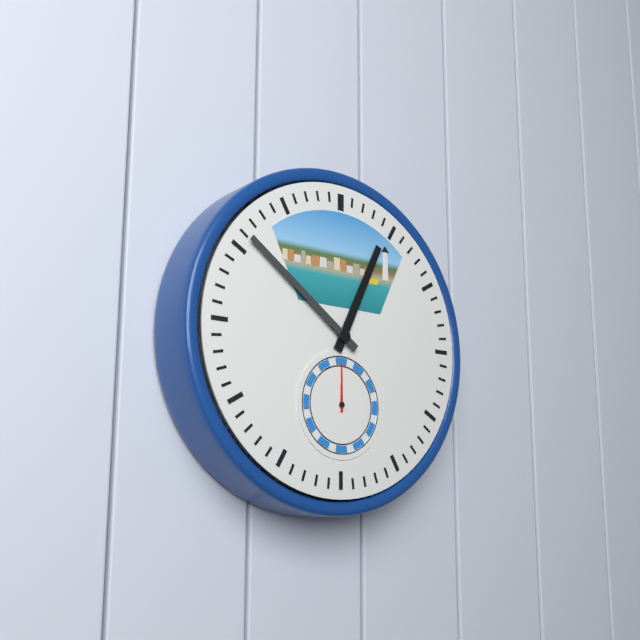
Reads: 12 h 51 min
